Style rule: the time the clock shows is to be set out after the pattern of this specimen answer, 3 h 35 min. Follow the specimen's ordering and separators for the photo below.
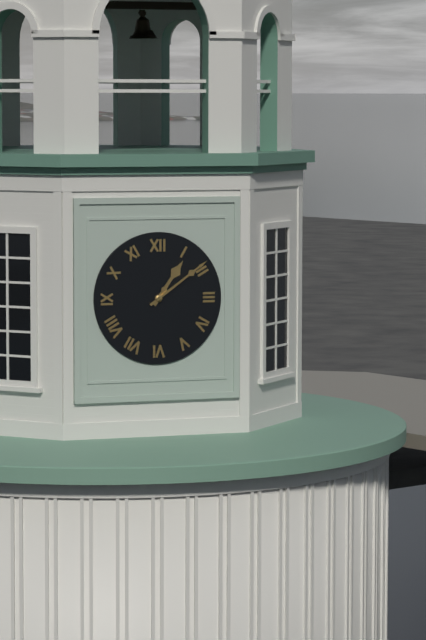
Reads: 1 h 09 min
